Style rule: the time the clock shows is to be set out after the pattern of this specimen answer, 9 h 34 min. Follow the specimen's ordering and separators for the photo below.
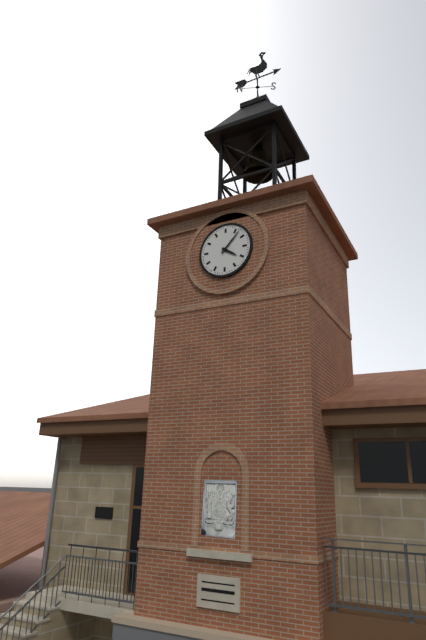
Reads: 4 h 07 min
